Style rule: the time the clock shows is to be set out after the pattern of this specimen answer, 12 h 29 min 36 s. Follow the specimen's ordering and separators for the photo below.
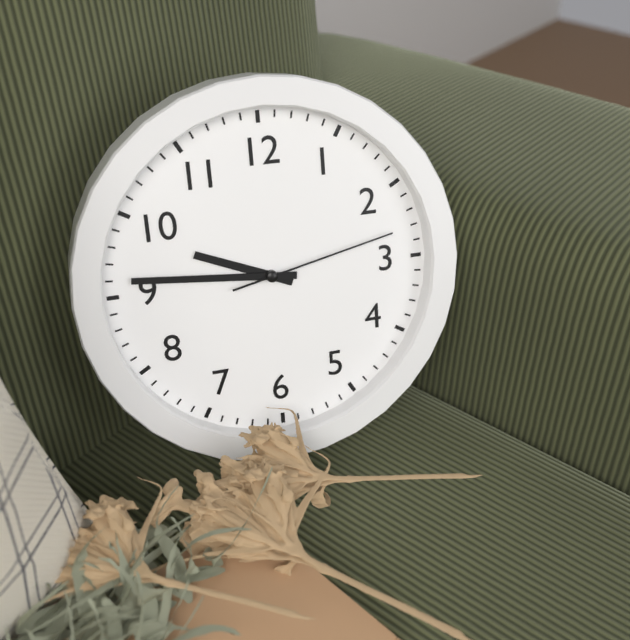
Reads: 9 h 46 min 13 s
